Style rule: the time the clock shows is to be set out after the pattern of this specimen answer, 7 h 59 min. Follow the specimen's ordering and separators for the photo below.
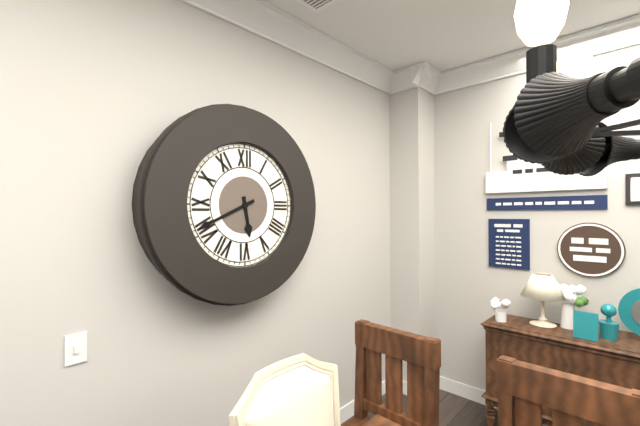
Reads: 5 h 41 min
